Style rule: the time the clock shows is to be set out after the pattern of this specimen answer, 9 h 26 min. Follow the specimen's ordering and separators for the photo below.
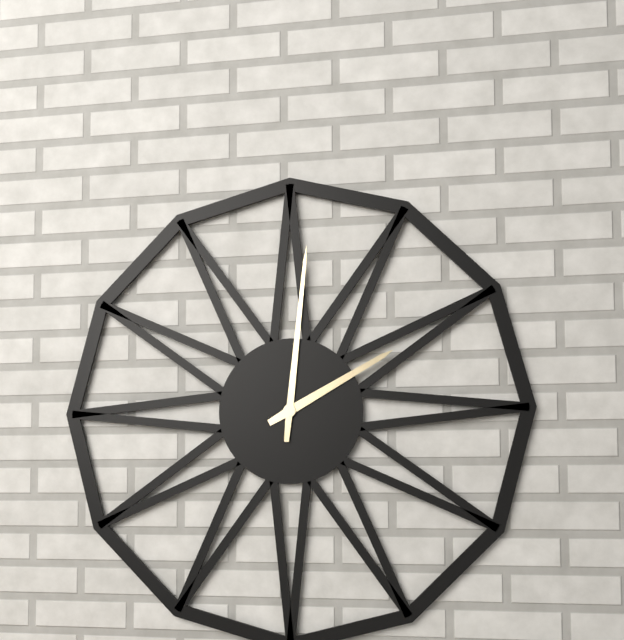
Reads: 2 h 01 min
